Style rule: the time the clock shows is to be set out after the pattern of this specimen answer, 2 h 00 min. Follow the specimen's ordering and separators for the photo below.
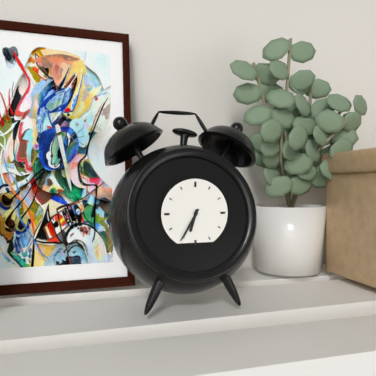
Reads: 6 h 35 min
